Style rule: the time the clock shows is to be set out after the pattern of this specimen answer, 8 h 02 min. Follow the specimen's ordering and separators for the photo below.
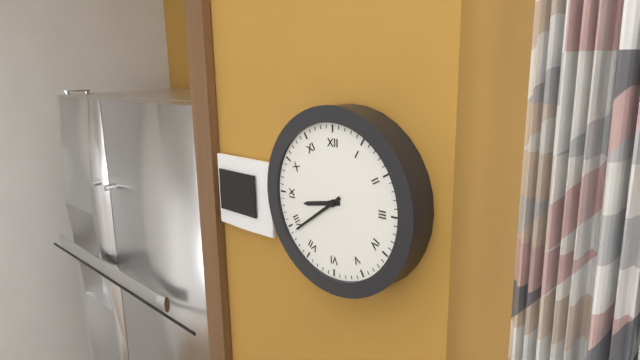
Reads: 8 h 39 min
